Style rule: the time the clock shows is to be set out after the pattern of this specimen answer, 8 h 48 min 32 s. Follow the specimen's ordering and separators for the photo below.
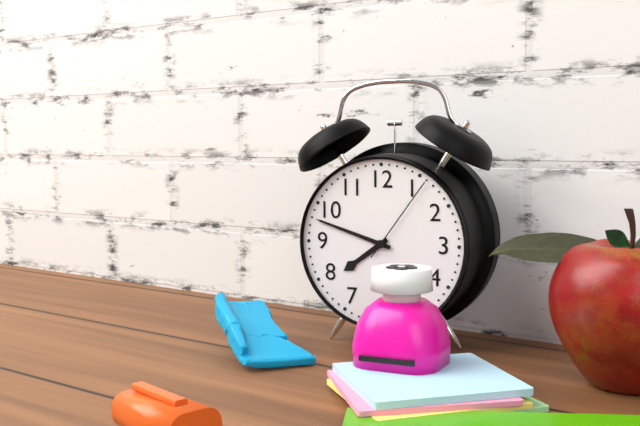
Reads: 7 h 48 min 06 s
